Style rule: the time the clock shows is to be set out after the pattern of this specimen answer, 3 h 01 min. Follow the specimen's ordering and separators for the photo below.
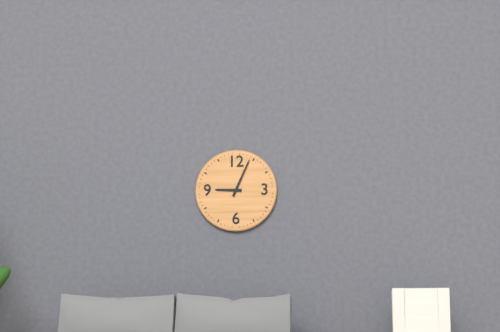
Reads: 9 h 04 min
